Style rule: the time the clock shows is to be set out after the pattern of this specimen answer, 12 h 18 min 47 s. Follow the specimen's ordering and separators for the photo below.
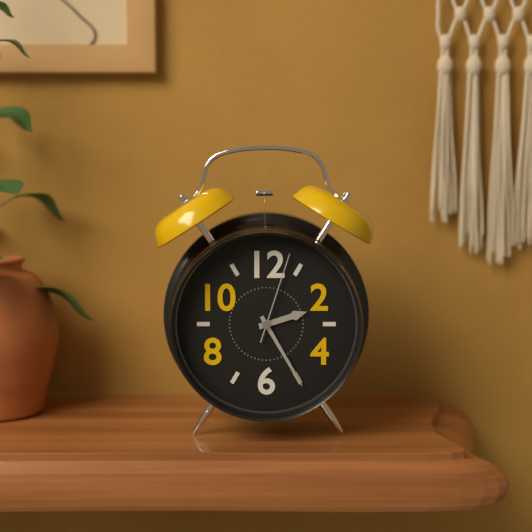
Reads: 2 h 25 min 03 s
